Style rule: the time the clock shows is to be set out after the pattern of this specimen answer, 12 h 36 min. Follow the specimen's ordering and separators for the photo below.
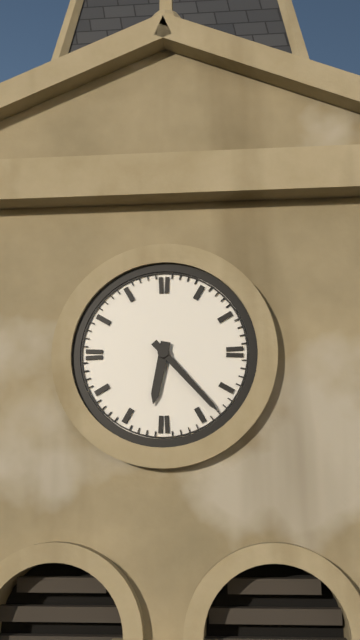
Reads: 6 h 23 min
